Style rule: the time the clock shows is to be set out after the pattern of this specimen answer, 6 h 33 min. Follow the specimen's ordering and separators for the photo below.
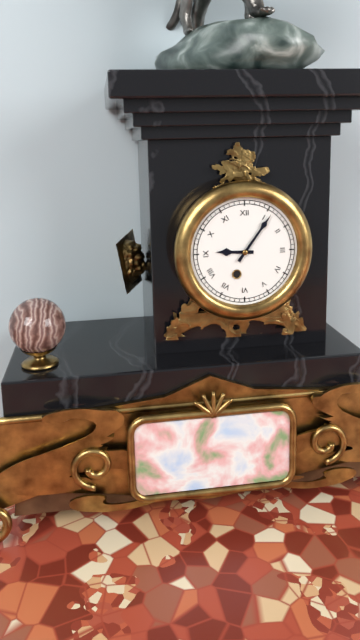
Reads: 9 h 06 min
